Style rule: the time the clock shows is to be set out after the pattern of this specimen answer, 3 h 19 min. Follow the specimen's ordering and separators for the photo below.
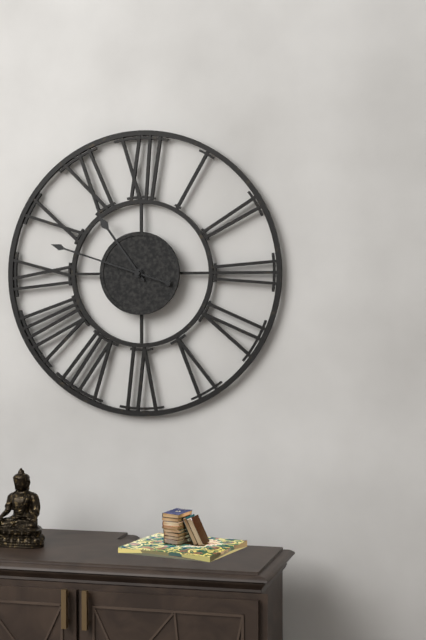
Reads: 10 h 48 min
